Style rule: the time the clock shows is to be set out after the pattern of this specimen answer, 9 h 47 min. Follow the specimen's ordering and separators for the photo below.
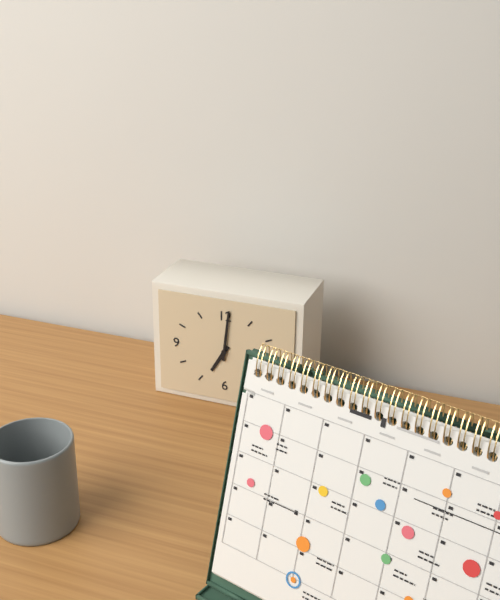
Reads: 7 h 01 min
